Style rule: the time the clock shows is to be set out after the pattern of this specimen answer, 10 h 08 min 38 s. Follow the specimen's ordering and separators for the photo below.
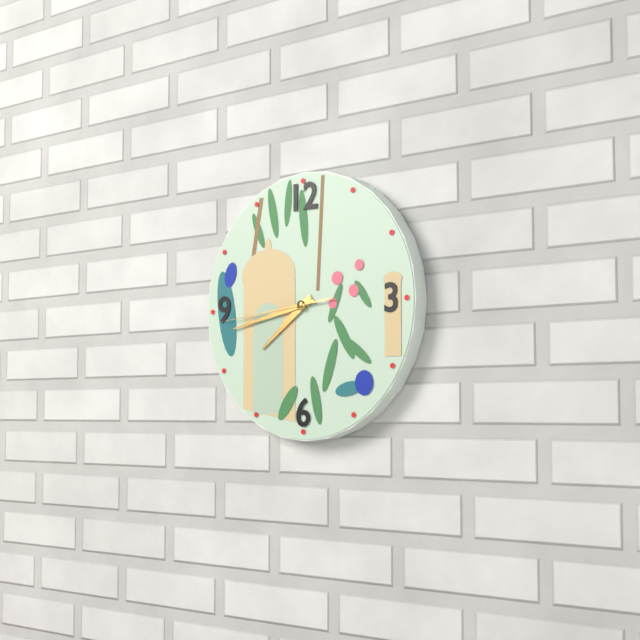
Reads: 7 h 43 min 44 s
